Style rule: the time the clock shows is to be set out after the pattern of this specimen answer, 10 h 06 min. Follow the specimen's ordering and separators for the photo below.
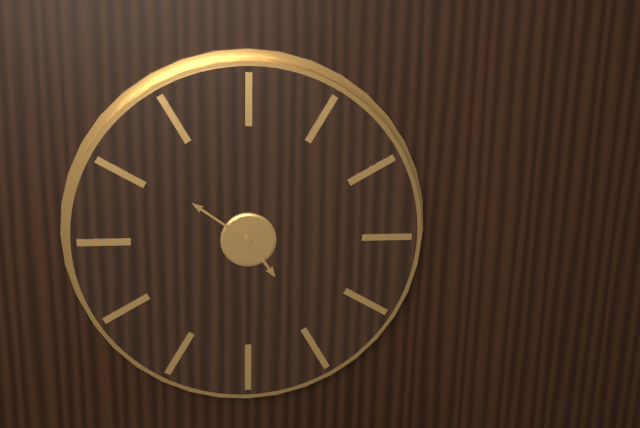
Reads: 4 h 51 min
